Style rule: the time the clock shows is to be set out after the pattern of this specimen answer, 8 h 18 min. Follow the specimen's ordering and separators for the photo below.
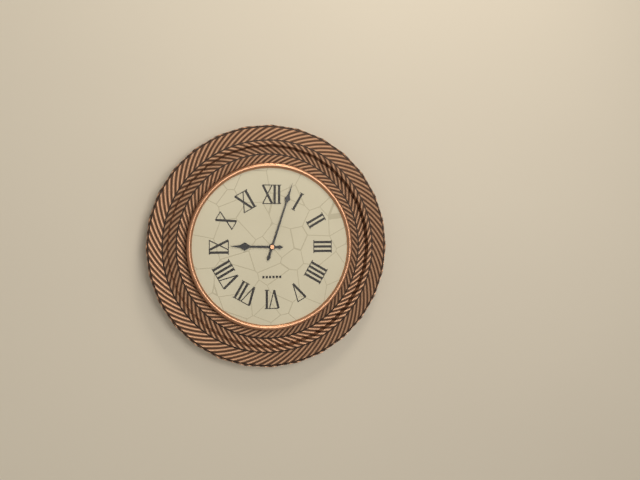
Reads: 9 h 03 min
